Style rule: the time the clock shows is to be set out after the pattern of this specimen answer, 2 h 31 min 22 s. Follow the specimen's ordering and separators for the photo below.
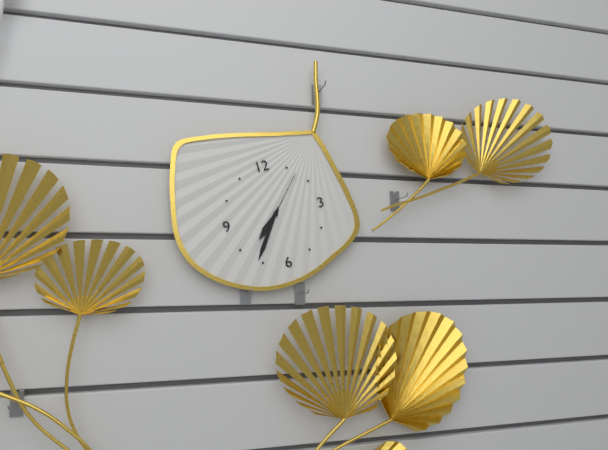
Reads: 7 h 36 min 07 s
